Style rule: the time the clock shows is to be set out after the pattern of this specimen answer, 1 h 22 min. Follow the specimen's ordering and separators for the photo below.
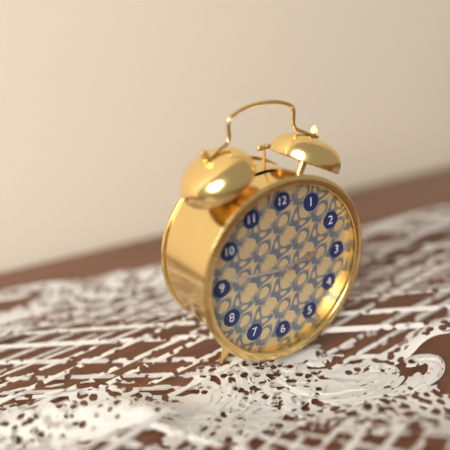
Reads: 2 h 46 min
